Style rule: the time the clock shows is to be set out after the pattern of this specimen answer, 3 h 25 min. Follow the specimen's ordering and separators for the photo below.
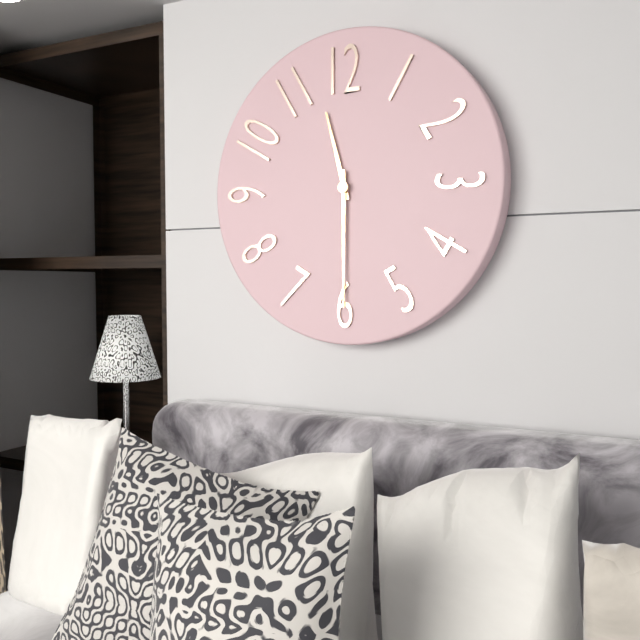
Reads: 11 h 30 min
